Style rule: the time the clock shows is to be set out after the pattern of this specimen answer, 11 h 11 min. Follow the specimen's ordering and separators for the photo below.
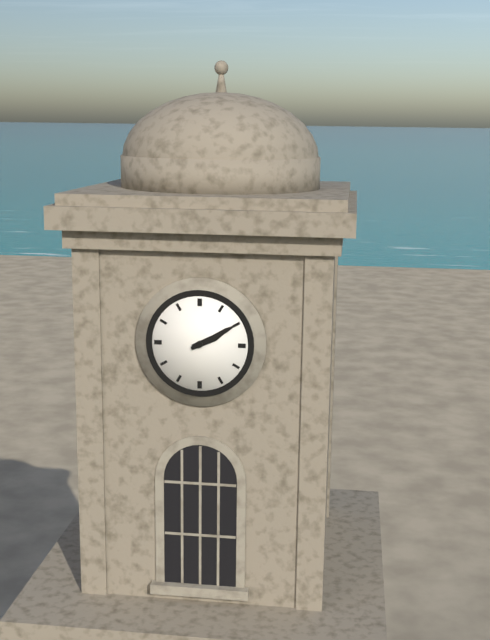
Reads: 2 h 10 min
